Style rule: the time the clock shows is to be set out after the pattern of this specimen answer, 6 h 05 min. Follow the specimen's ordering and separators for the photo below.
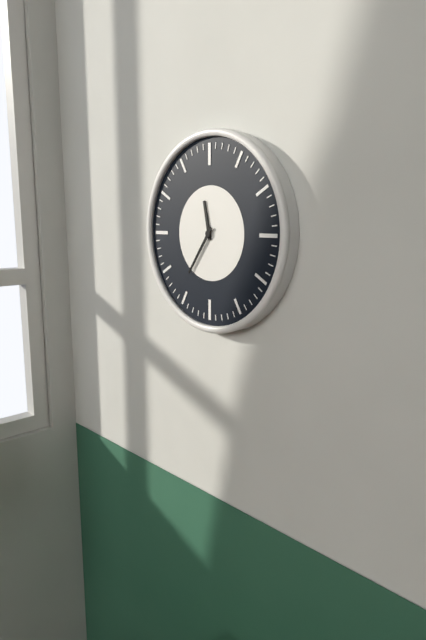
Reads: 11 h 36 min
